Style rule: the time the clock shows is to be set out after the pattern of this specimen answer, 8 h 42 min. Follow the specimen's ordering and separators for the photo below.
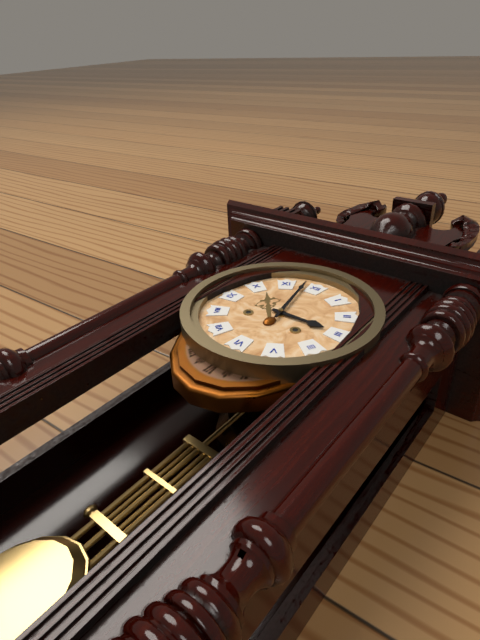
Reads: 2 h 58 min
